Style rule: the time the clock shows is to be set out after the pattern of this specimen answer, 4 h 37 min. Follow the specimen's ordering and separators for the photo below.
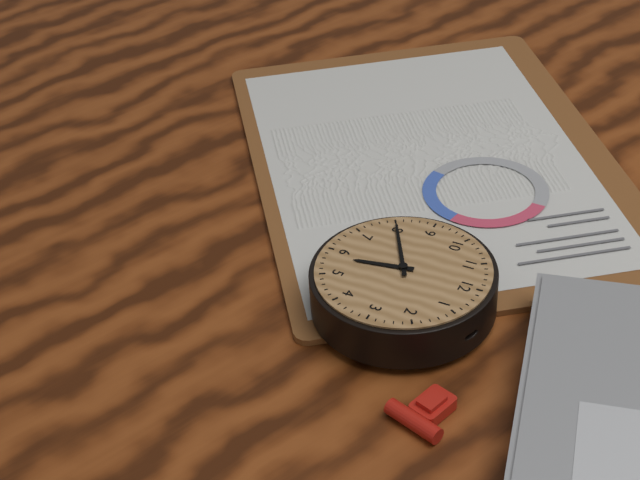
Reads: 5 h 40 min
